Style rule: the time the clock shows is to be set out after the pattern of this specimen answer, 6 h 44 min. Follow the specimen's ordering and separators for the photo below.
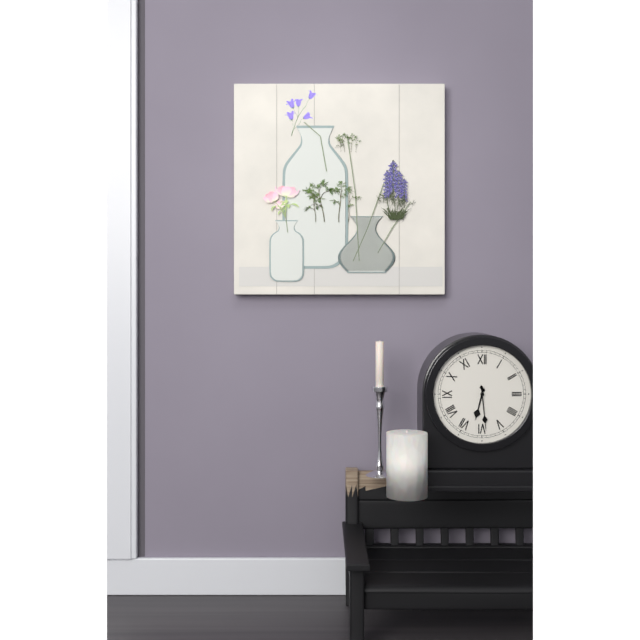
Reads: 6 h 29 min
